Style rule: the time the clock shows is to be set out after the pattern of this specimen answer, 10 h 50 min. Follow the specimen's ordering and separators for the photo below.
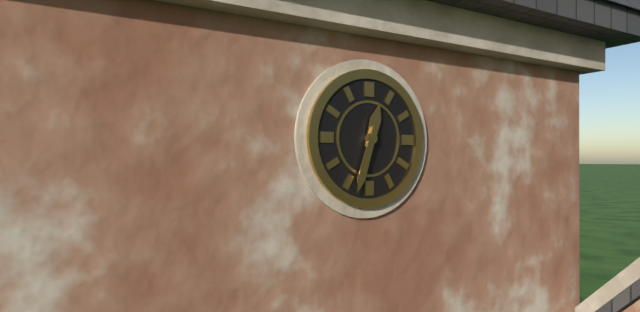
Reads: 12 h 33 min
